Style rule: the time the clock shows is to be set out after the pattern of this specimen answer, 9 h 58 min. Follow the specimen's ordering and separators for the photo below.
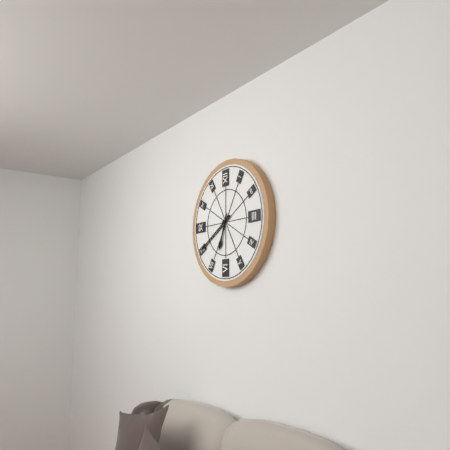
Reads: 6 h 40 min
